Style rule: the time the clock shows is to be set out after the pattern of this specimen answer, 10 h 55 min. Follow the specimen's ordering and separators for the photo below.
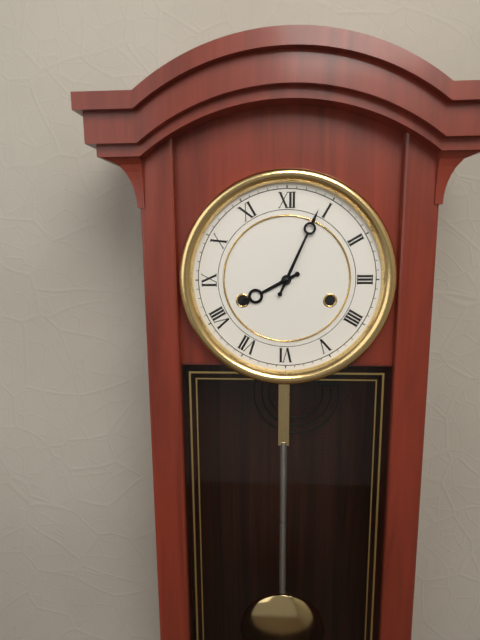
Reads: 8 h 04 min
